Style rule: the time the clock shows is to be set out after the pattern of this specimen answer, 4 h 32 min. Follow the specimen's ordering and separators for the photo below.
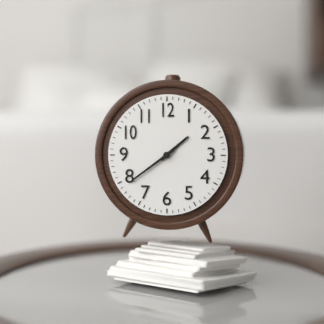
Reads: 1 h 39 min
